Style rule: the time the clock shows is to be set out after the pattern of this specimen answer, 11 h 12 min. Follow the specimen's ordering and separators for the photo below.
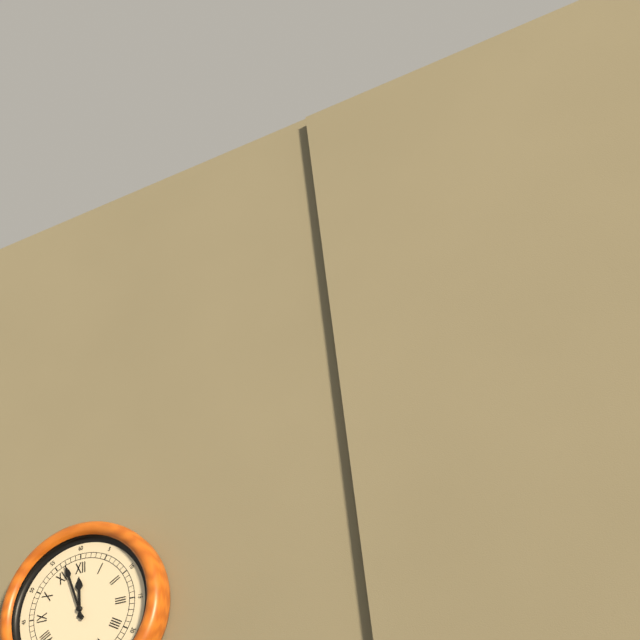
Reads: 11 h 57 min
